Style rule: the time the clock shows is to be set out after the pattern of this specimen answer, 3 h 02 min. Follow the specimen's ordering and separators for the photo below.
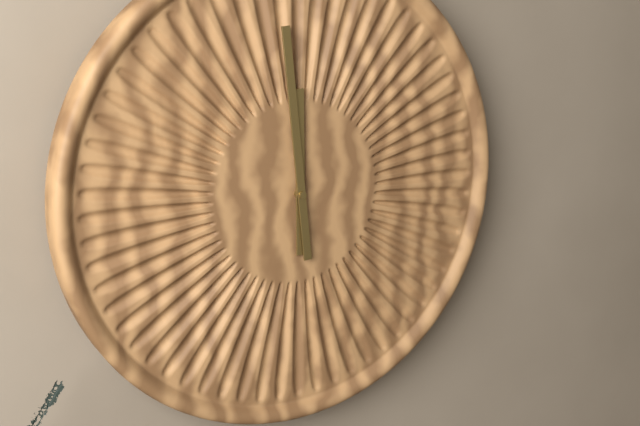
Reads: 11 h 59 min
